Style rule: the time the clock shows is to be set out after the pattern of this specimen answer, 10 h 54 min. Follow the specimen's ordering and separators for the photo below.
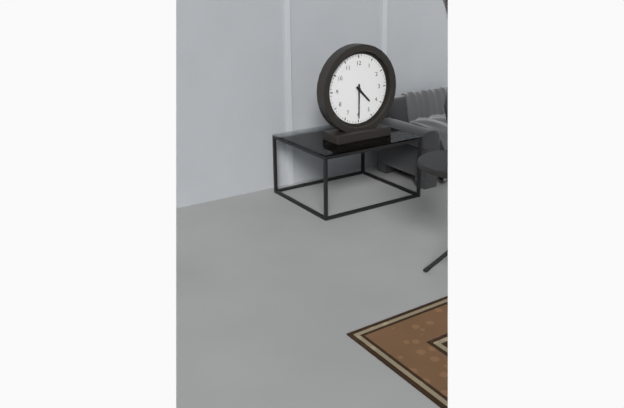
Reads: 4 h 30 min
